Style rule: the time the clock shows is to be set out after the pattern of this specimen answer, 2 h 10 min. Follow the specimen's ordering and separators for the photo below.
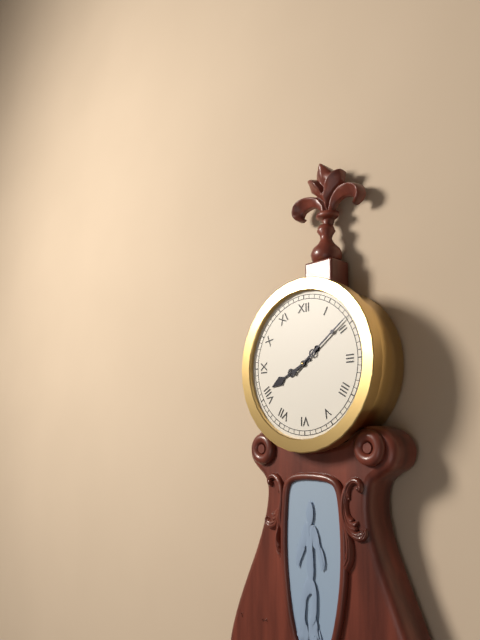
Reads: 8 h 09 min
